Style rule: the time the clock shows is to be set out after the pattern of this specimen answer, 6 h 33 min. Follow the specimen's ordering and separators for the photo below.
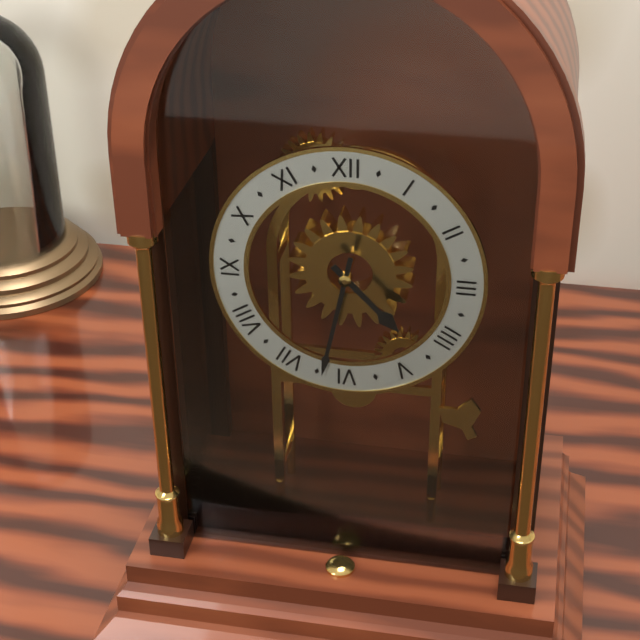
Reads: 4 h 32 min
